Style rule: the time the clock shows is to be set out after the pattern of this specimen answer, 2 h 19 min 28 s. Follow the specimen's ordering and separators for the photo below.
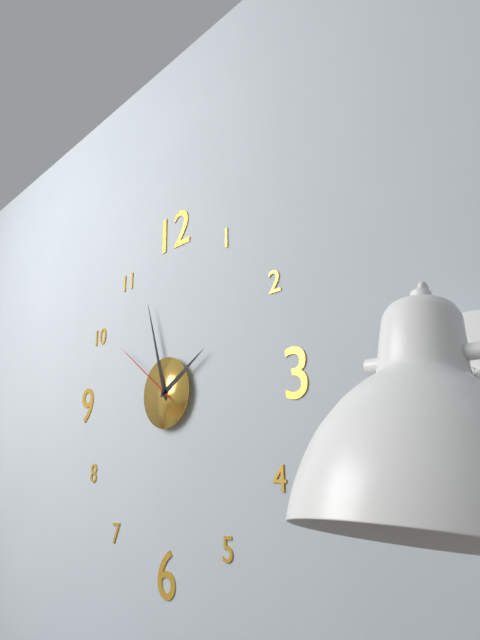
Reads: 1 h 57 min 51 s
